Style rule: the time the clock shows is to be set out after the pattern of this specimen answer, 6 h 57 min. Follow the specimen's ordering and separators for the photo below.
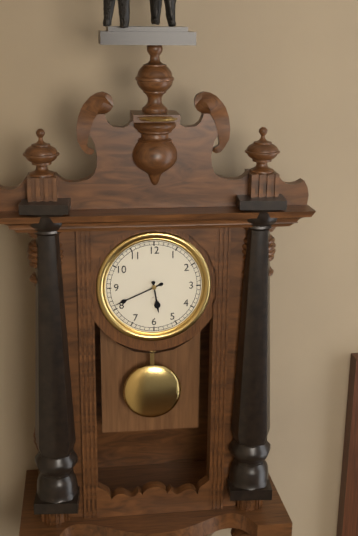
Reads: 5 h 41 min
